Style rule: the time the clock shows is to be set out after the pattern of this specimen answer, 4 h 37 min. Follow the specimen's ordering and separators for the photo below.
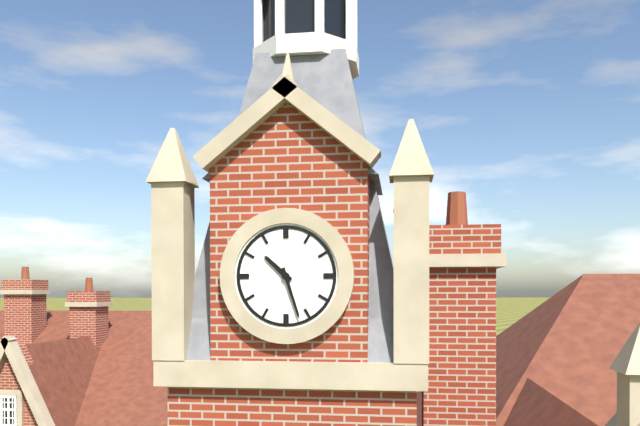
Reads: 10 h 27 min
